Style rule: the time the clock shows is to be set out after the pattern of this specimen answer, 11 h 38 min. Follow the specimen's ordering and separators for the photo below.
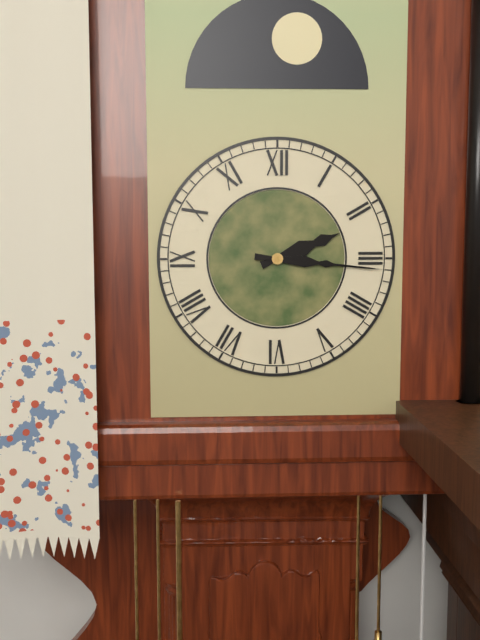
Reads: 2 h 16 min
